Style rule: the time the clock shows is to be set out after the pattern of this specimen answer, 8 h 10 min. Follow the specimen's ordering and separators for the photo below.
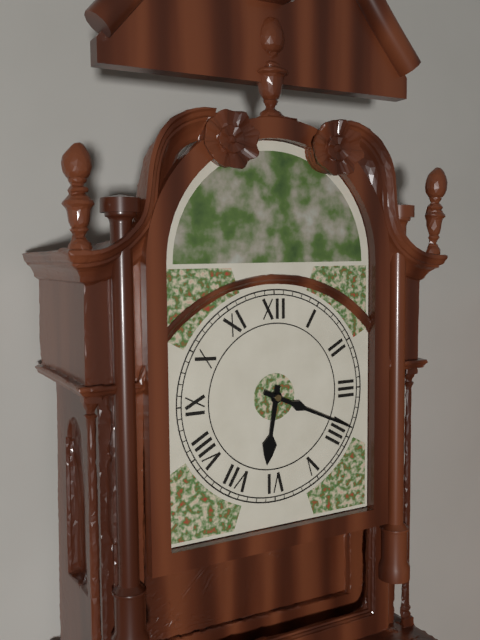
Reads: 6 h 19 min
